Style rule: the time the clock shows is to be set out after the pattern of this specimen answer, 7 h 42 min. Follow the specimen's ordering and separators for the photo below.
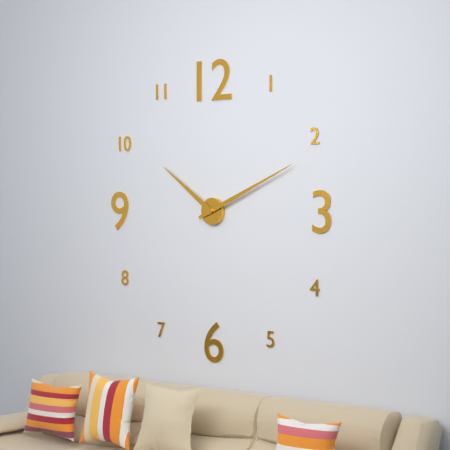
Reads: 10 h 11 min
